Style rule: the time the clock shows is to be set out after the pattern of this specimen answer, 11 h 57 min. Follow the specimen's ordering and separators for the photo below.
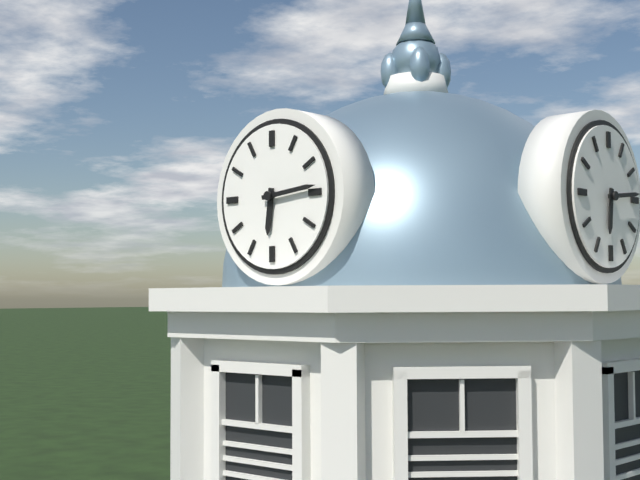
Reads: 6 h 14 min
